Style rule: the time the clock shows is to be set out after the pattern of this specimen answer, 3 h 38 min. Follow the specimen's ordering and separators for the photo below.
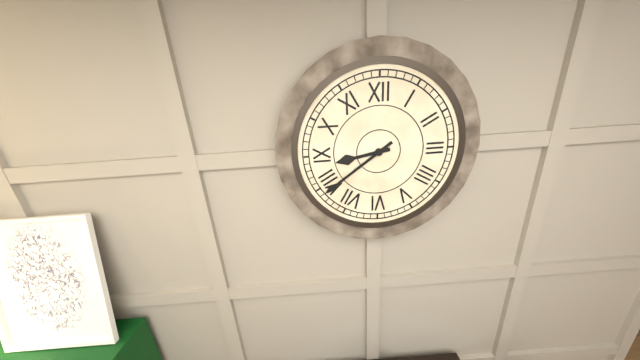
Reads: 8 h 39 min
